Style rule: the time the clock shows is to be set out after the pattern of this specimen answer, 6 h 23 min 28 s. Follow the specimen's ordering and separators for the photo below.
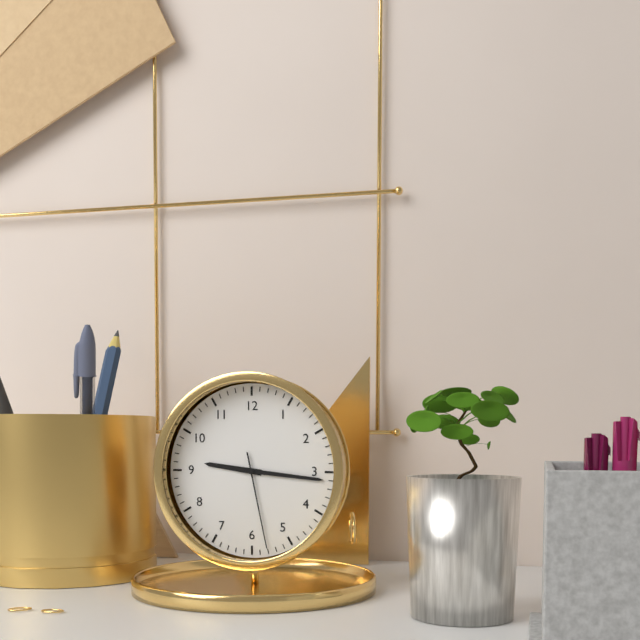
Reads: 9 h 16 min 28 s
